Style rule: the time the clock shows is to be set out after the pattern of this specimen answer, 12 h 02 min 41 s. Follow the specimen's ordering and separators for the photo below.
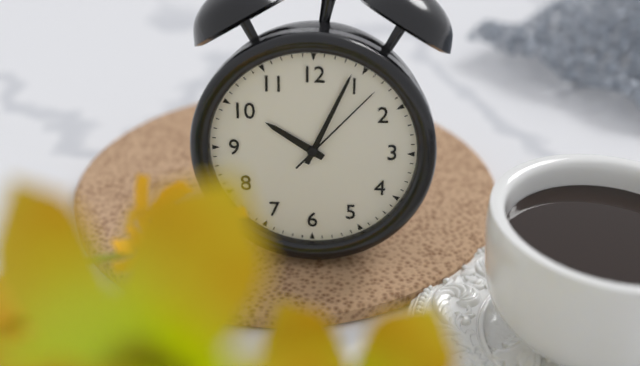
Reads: 10 h 04 min 07 s
